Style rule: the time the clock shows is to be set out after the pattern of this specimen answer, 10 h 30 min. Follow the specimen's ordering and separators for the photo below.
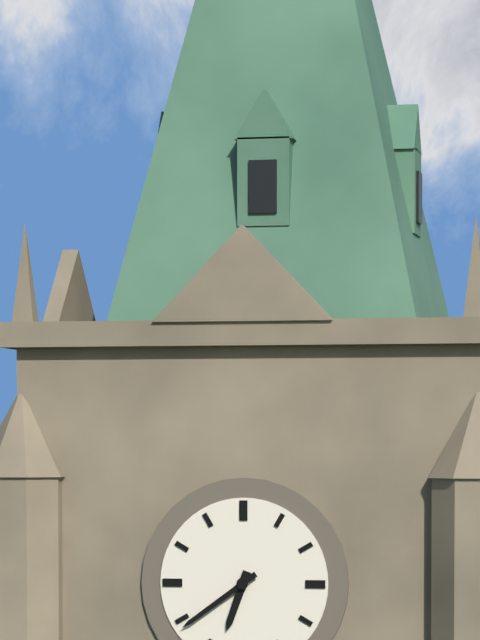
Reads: 6 h 39 min
